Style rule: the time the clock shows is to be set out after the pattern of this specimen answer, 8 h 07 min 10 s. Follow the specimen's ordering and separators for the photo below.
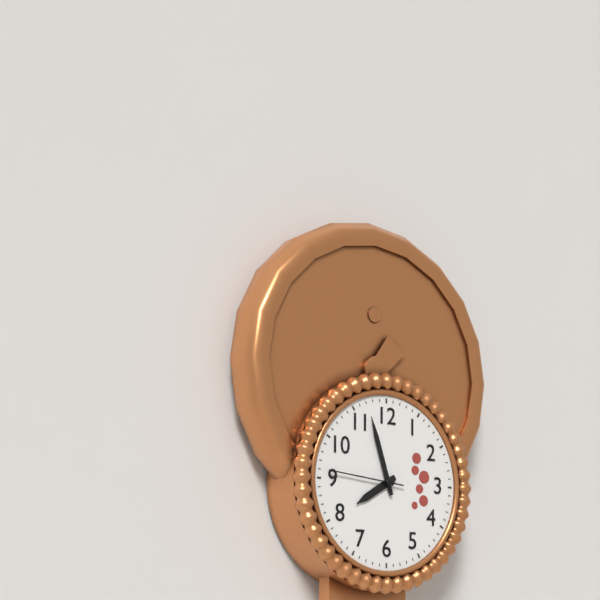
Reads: 7 h 57 min 46 s
